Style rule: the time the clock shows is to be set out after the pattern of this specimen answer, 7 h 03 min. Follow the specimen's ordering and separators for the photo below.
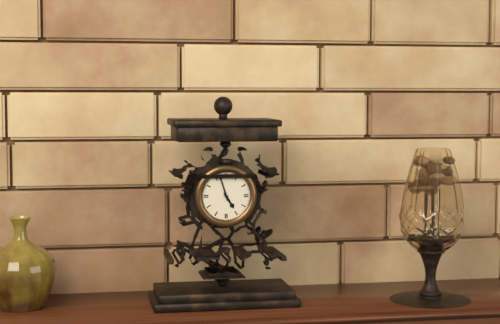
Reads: 4 h 57 min
